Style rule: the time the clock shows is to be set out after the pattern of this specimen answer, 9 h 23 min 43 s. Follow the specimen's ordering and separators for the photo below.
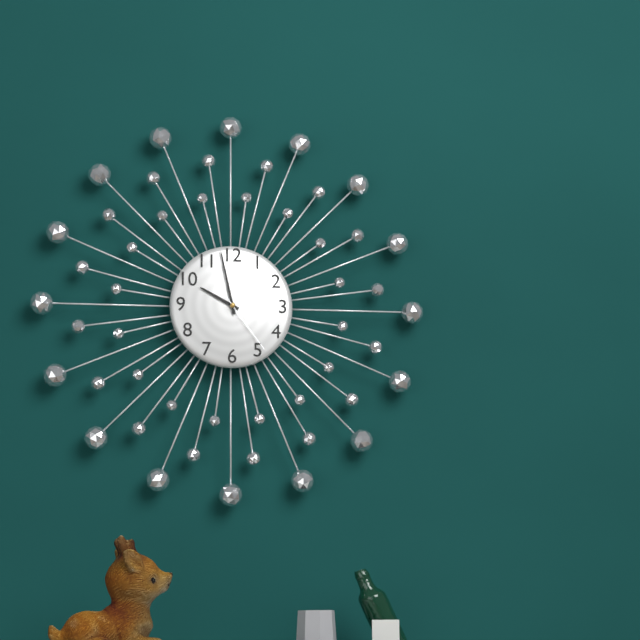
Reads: 9 h 58 min 24 s
